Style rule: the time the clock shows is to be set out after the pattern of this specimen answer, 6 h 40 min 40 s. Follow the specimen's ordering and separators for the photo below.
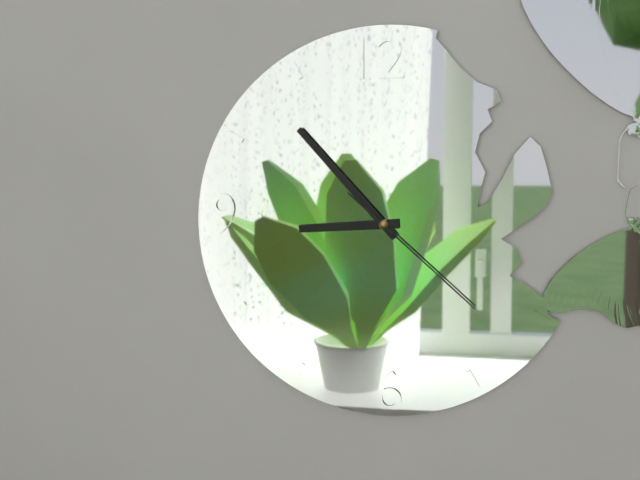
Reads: 8 h 53 min 22 s
